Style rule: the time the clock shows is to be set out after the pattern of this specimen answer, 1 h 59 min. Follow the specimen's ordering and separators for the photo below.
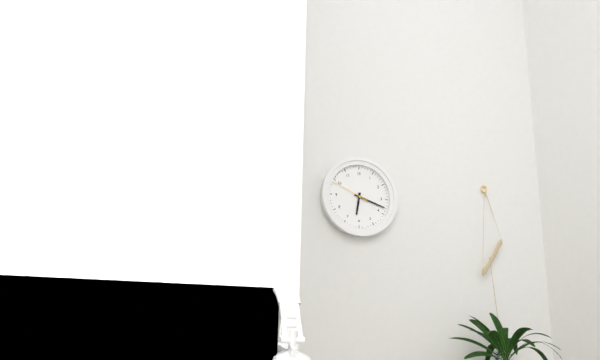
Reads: 6 h 18 min
